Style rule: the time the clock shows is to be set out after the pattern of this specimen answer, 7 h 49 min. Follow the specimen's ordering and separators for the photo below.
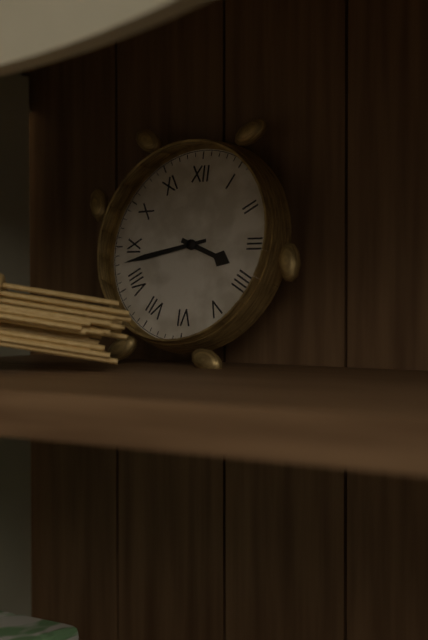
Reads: 3 h 43 min
